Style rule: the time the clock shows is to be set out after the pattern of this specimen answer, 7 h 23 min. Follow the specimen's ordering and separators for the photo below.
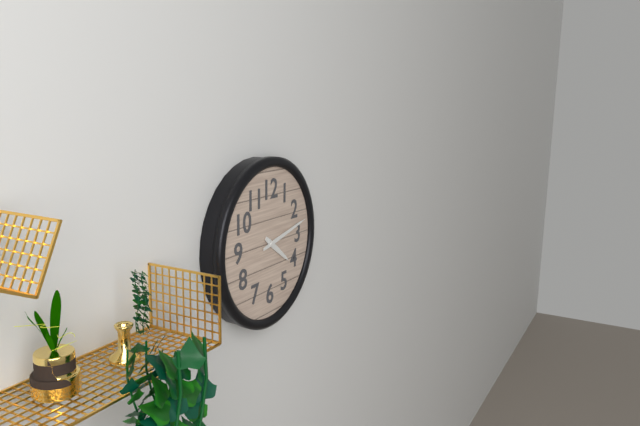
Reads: 4 h 13 min
